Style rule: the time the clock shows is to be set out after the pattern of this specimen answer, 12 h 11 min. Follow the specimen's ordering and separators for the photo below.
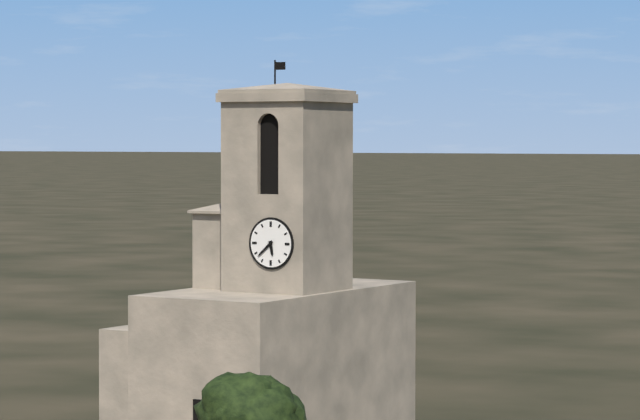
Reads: 5 h 38 min
